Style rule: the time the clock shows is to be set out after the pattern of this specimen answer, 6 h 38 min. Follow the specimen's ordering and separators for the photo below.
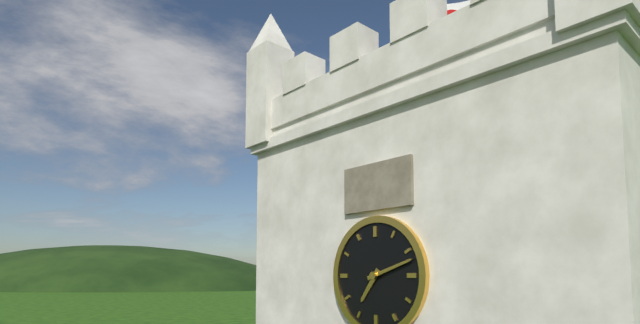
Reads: 7 h 12 min
